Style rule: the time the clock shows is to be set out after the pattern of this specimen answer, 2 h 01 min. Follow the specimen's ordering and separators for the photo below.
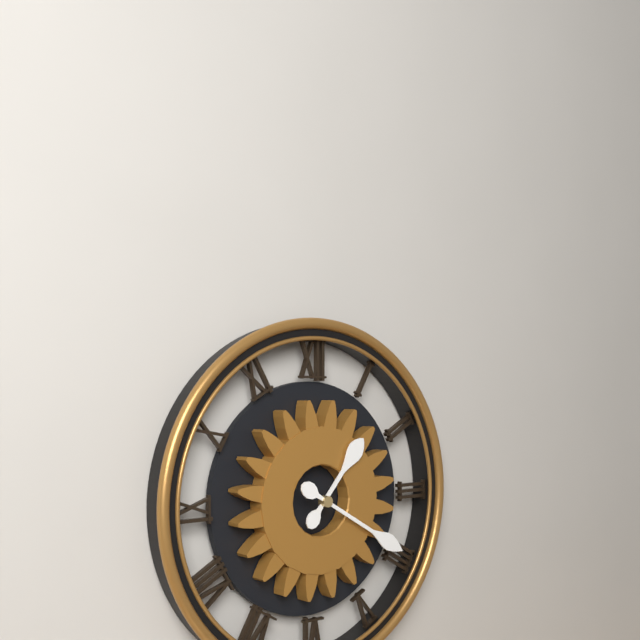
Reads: 1 h 20 min
